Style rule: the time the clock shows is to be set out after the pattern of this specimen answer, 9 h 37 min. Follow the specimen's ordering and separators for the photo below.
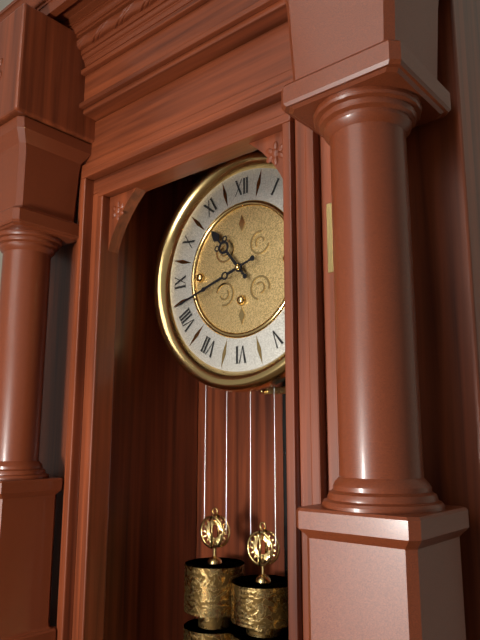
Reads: 10 h 42 min
